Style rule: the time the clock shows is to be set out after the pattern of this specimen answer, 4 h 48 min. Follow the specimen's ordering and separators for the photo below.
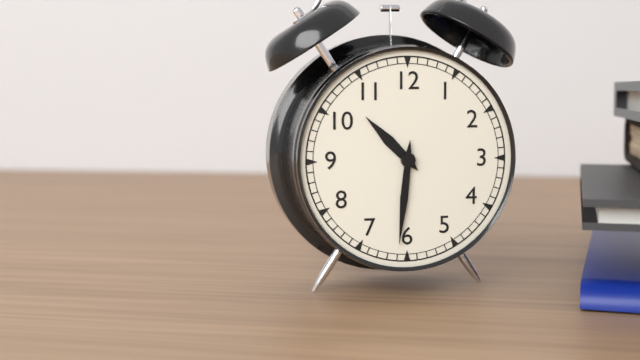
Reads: 10 h 31 min
